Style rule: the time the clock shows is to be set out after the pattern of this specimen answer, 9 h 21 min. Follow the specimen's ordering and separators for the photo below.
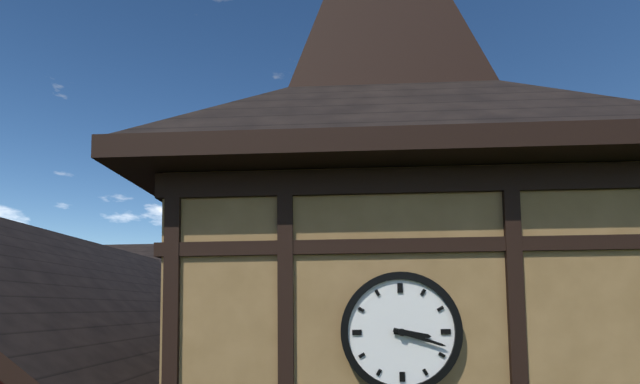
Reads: 3 h 18 min
